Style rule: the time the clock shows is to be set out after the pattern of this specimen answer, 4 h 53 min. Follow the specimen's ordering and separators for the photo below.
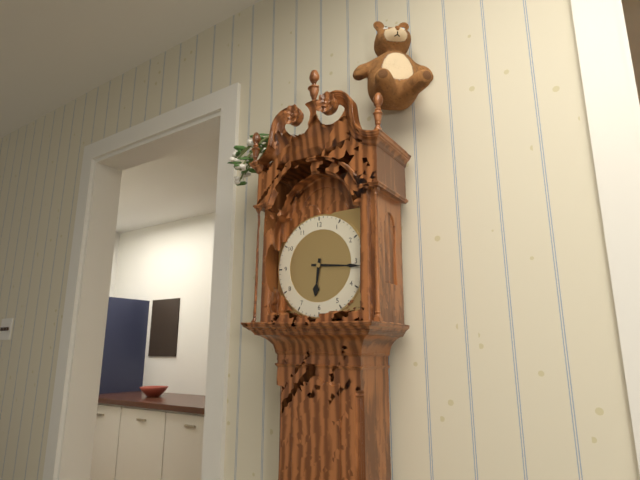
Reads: 6 h 16 min
